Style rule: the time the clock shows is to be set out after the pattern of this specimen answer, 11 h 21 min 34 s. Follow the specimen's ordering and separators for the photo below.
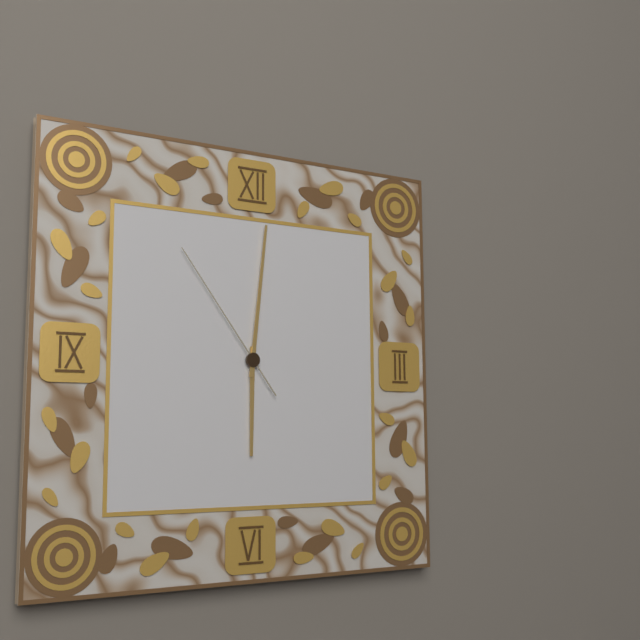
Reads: 6 h 01 min 54 s
